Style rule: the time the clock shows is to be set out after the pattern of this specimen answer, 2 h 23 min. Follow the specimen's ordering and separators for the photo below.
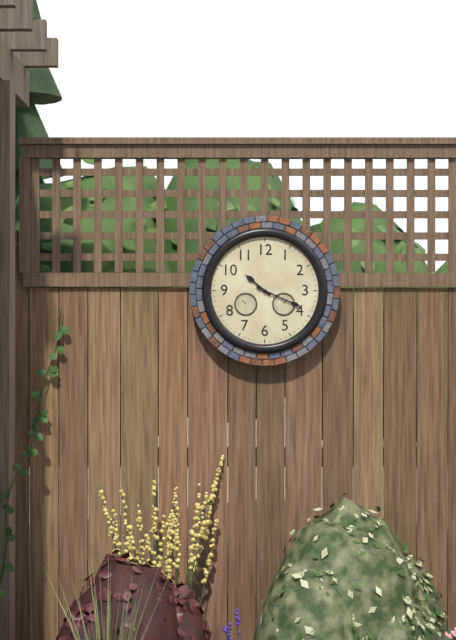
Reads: 10 h 19 min
